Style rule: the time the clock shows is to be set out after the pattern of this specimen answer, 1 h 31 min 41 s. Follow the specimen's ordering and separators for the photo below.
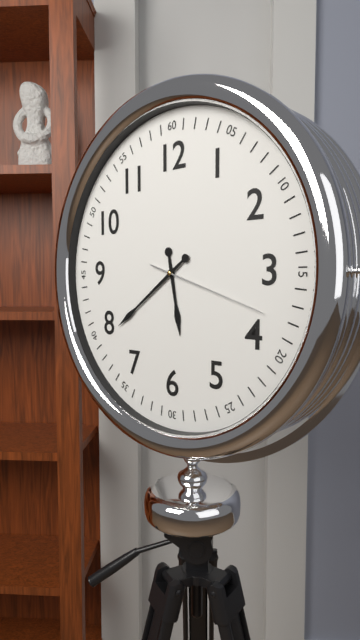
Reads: 5 h 39 min 18 s
